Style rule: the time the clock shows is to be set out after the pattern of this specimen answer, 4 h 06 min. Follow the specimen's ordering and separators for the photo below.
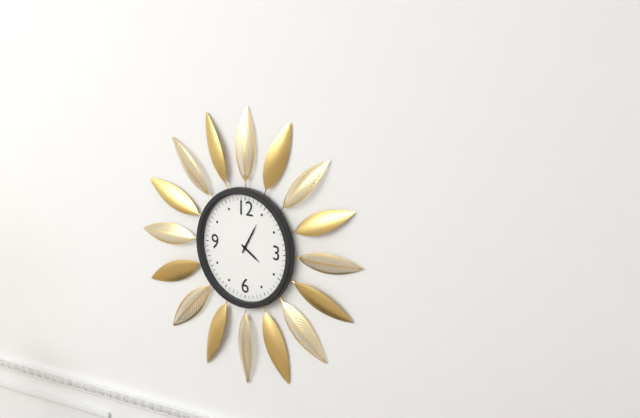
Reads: 4 h 05 min
